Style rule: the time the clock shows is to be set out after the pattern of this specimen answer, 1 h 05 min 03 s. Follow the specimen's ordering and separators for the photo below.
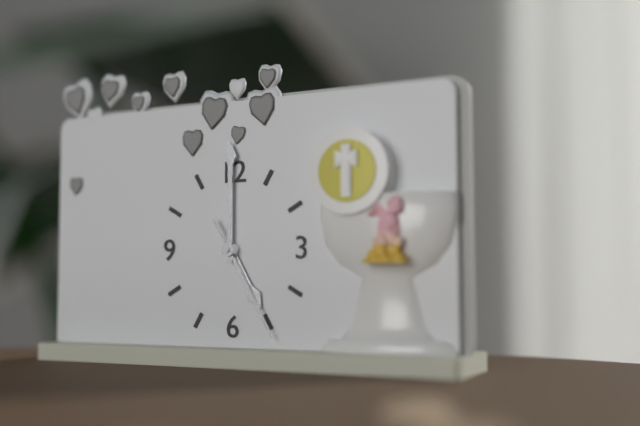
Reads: 5 h 00 min 25 s
